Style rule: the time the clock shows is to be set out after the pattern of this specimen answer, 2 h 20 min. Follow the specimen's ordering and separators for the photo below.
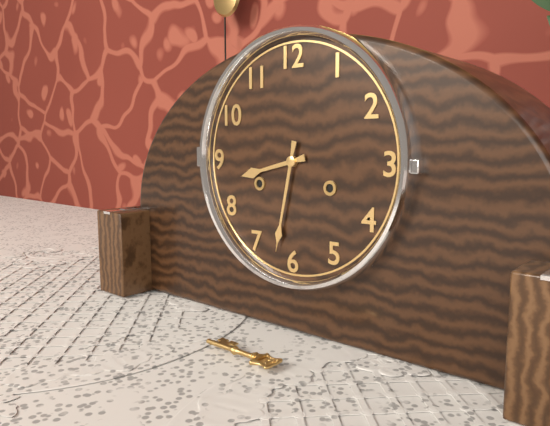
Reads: 8 h 32 min
